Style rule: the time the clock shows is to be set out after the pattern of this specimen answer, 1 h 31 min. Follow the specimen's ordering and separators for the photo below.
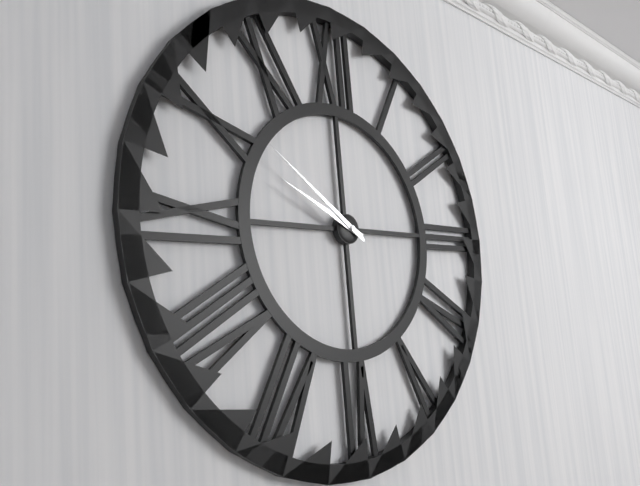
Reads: 9 h 51 min
